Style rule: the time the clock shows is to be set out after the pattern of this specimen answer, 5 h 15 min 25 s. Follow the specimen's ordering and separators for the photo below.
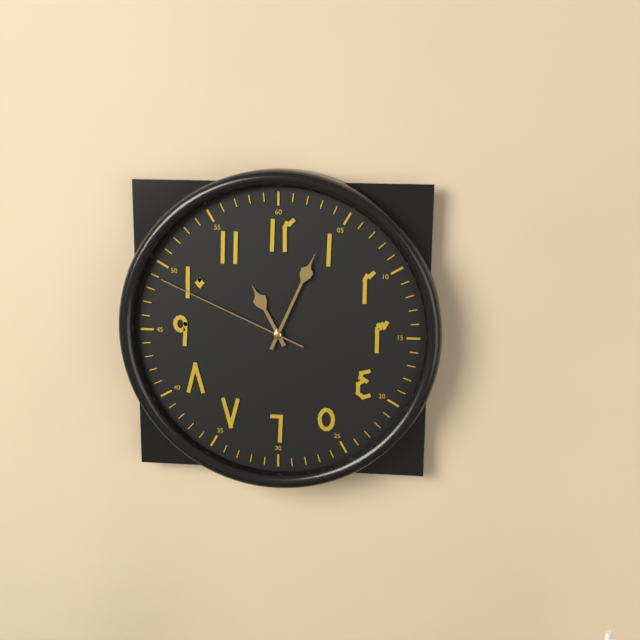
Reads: 11 h 04 min 49 s
